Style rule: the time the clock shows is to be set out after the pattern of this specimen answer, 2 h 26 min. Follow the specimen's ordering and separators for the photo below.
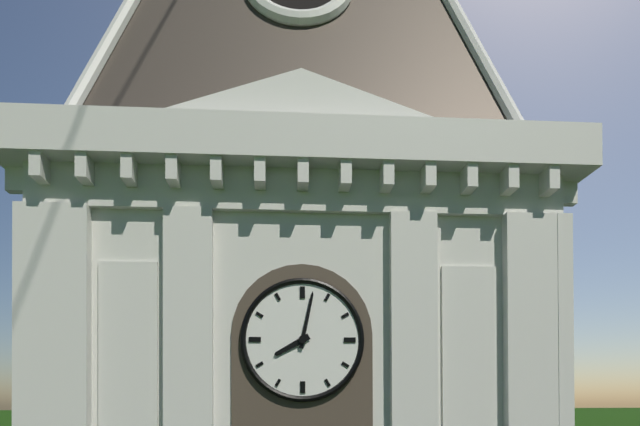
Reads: 8 h 02 min
